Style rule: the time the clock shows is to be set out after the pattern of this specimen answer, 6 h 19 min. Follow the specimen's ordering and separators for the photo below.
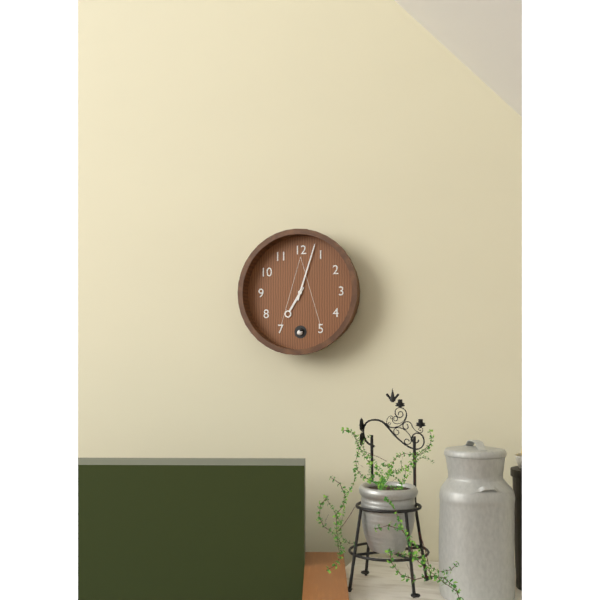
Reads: 7 h 03 min
